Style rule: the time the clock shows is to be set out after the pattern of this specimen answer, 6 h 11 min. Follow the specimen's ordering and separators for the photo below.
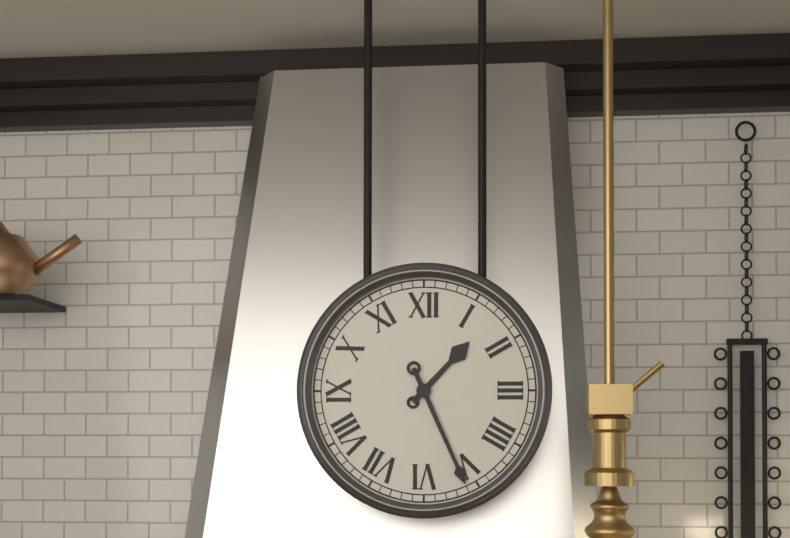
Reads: 1 h 26 min
